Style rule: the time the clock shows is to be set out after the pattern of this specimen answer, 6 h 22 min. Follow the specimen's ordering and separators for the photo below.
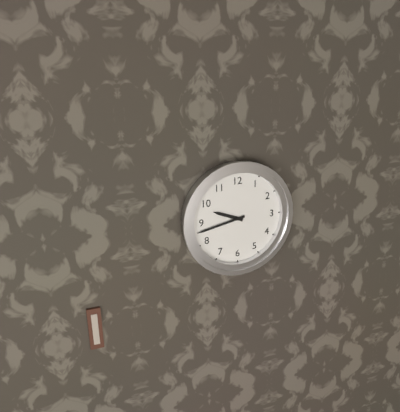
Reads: 9 h 43 min
